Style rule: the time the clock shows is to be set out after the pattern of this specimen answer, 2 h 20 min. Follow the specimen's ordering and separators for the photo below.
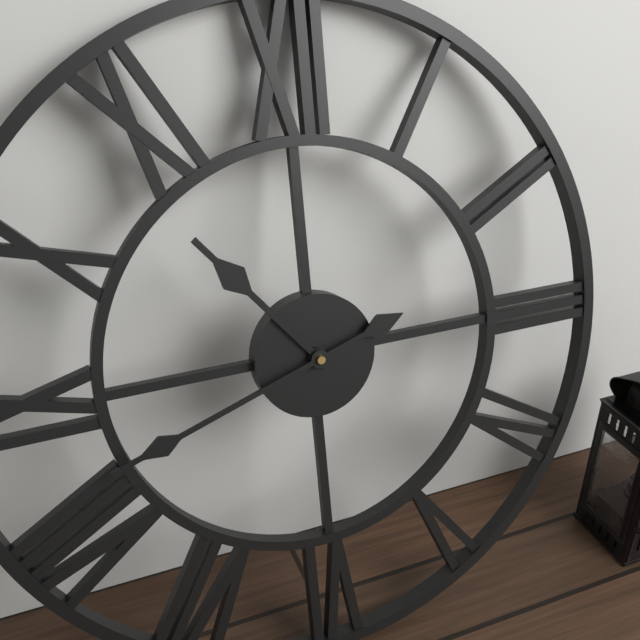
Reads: 10 h 42 min
